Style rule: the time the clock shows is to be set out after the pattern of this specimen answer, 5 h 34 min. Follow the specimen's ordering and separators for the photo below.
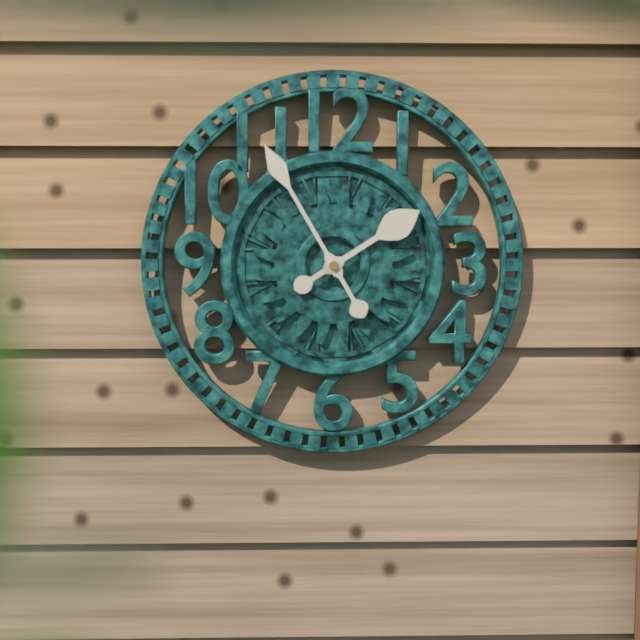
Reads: 1 h 55 min
